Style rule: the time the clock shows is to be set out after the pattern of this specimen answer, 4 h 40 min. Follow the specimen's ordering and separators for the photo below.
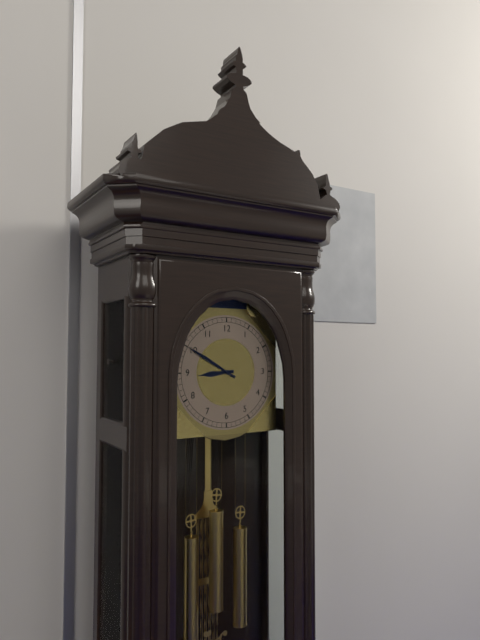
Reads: 8 h 50 min
